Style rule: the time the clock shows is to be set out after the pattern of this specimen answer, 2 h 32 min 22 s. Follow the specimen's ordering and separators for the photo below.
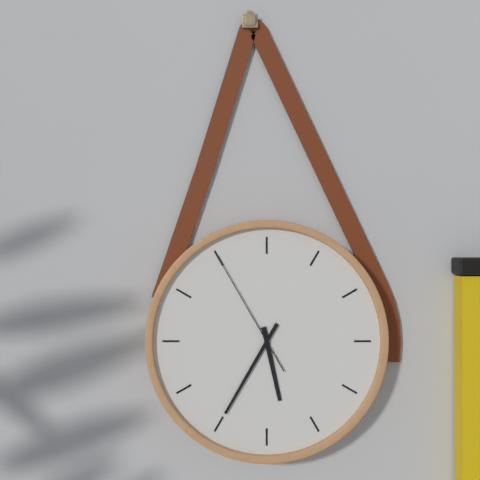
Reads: 5 h 35 min 55 s
